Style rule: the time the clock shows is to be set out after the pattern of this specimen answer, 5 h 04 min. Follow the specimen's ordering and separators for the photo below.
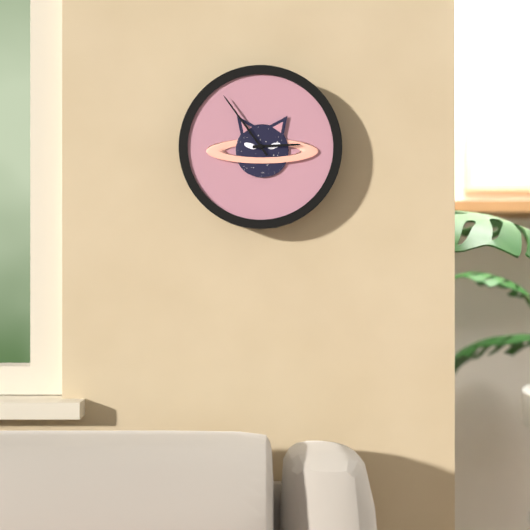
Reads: 2 h 54 min
